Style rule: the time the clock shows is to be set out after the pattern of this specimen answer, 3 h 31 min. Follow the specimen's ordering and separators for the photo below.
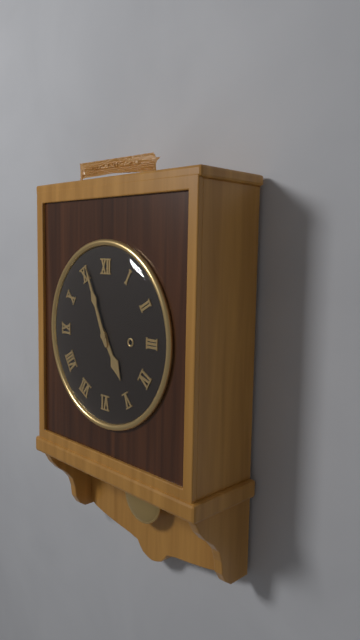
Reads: 4 h 56 min
